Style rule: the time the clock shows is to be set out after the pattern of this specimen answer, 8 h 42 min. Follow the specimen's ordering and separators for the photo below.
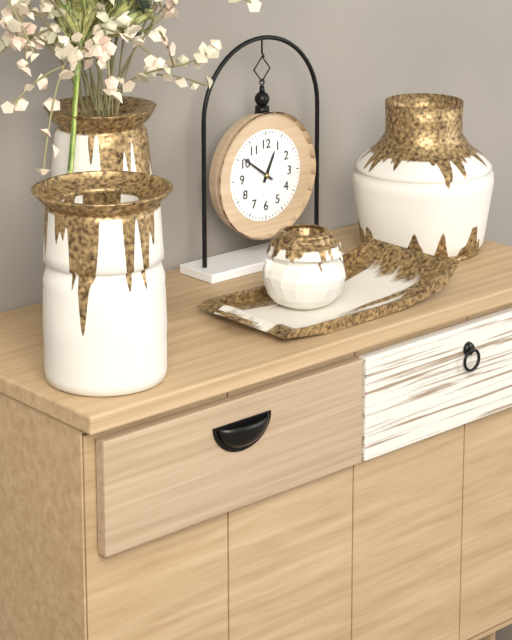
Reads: 12 h 51 min
